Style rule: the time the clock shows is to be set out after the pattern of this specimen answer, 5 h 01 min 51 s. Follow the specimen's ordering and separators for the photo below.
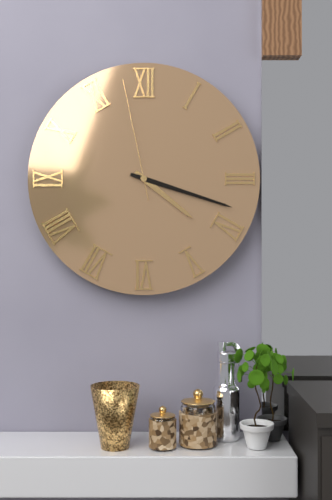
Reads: 4 h 18 min 58 s
